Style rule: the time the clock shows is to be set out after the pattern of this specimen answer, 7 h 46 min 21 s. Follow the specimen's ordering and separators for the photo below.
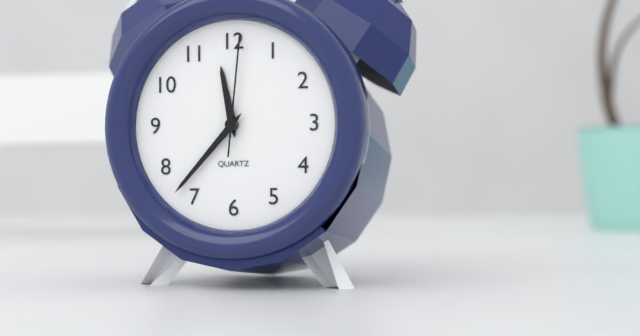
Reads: 11 h 37 min 01 s
